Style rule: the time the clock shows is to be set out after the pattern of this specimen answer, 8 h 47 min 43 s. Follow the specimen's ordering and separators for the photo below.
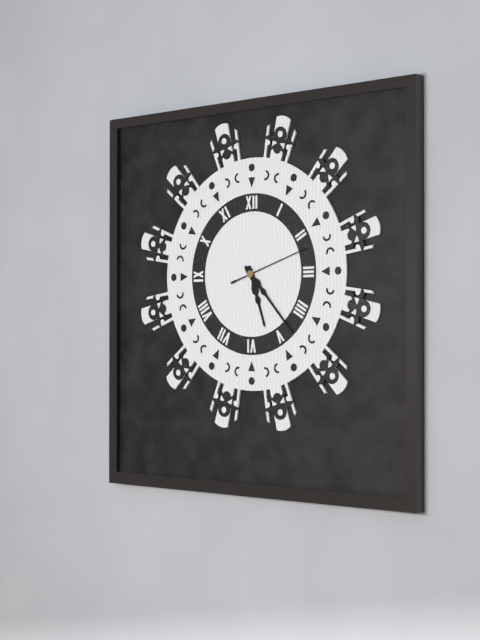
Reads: 5 h 23 min 12 s
